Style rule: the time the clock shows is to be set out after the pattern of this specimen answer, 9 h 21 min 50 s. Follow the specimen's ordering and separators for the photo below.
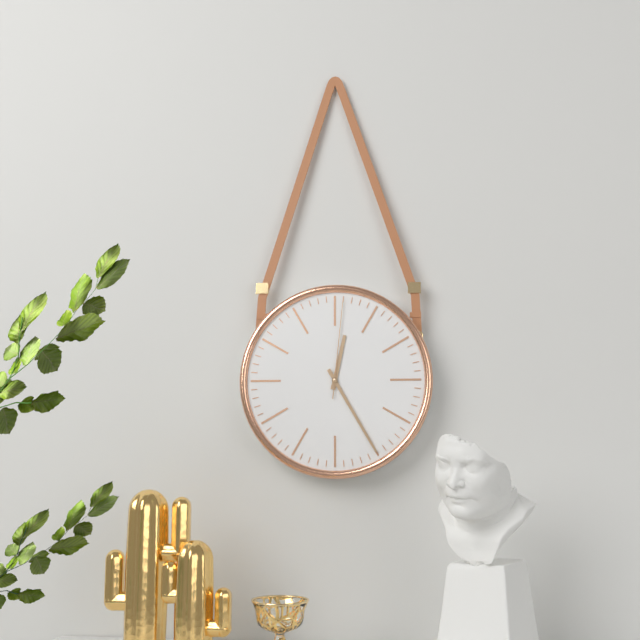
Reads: 12 h 25 min 01 s
